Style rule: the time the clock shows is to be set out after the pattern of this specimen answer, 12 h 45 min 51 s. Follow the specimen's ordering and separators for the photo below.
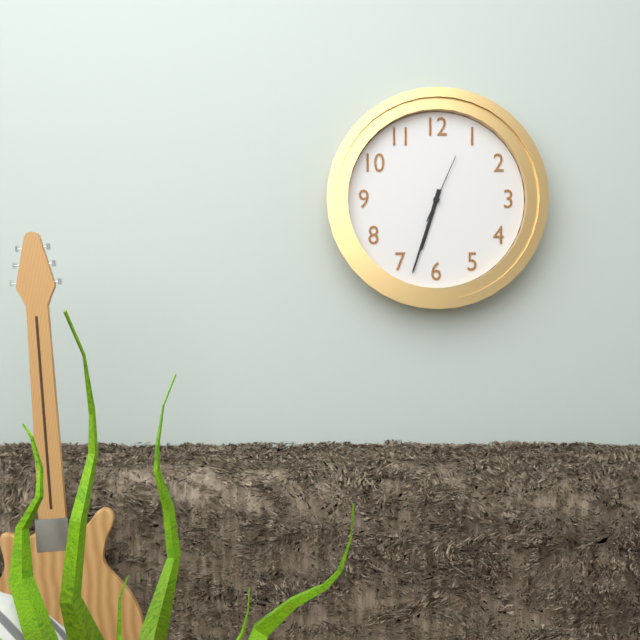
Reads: 6 h 33 min 04 s
